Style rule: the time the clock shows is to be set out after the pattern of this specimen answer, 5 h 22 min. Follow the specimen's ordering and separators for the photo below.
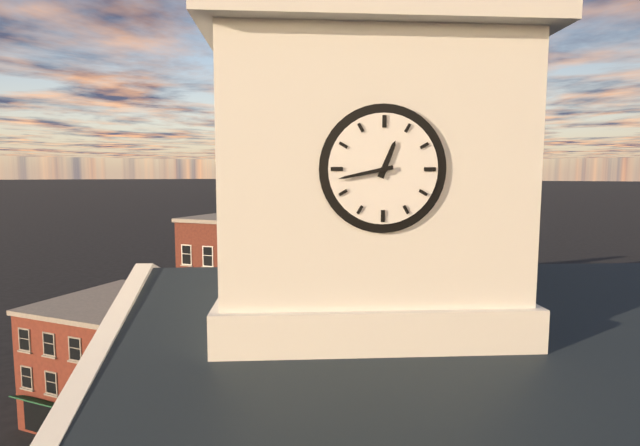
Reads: 12 h 43 min
